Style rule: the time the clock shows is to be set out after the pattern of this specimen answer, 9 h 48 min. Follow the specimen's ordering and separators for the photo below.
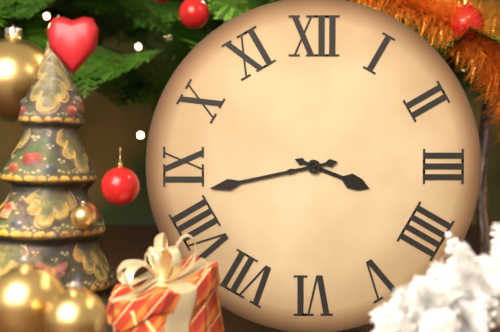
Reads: 3 h 43 min
